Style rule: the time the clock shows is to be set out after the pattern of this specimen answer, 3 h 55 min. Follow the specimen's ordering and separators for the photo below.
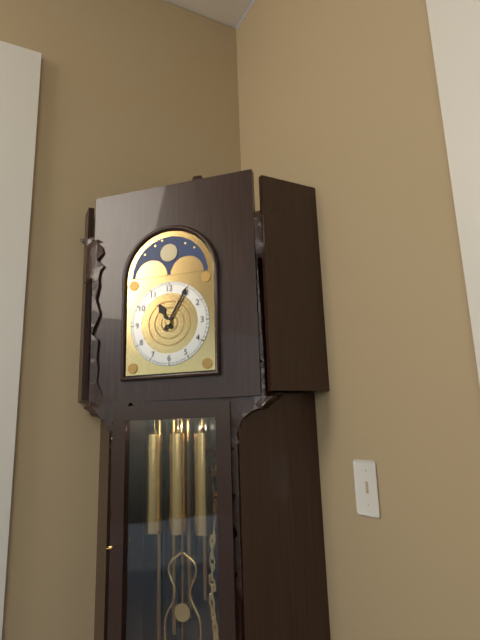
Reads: 11 h 05 min
